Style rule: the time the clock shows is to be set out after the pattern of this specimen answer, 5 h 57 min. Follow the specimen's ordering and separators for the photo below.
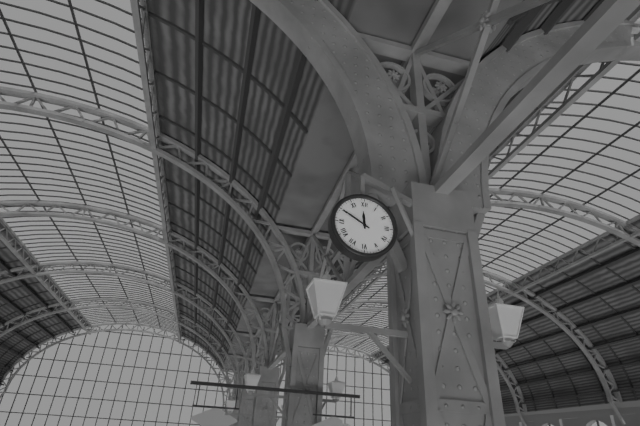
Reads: 11 h 50 min
